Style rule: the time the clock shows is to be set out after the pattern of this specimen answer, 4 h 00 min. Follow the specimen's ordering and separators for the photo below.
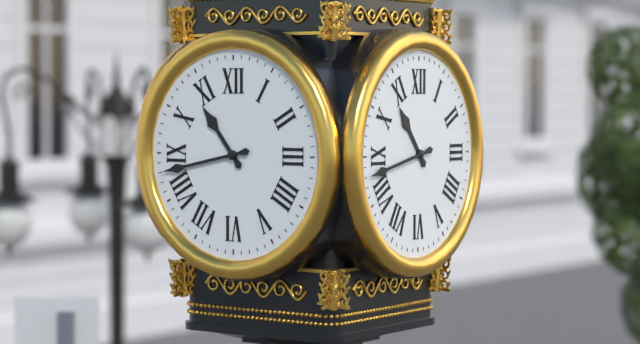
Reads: 10 h 43 min
